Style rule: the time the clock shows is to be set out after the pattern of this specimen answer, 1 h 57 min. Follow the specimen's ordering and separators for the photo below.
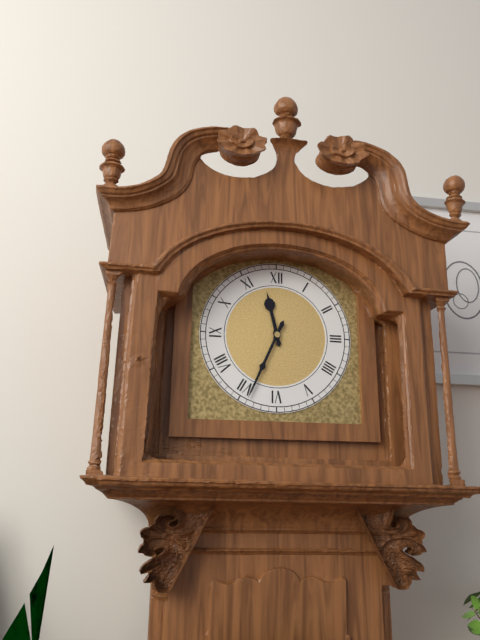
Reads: 11 h 34 min
